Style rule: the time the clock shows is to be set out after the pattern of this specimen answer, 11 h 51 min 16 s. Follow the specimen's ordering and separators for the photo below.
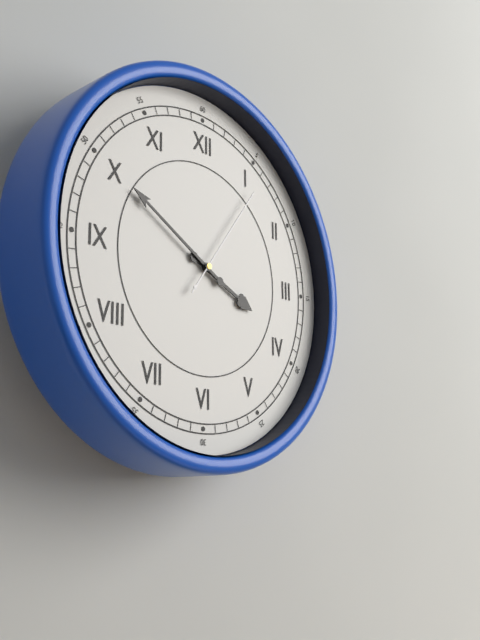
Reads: 3 h 50 min 06 s
